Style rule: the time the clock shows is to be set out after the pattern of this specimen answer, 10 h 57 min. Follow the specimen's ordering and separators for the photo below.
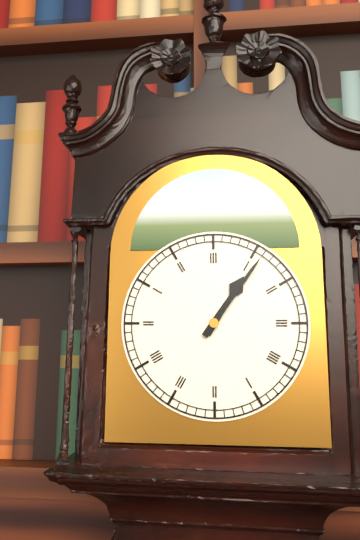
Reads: 1 h 06 min
